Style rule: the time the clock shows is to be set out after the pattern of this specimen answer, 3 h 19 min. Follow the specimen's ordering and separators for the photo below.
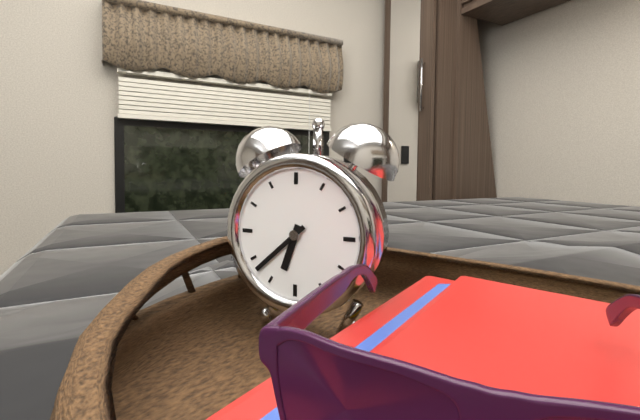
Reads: 6 h 38 min
